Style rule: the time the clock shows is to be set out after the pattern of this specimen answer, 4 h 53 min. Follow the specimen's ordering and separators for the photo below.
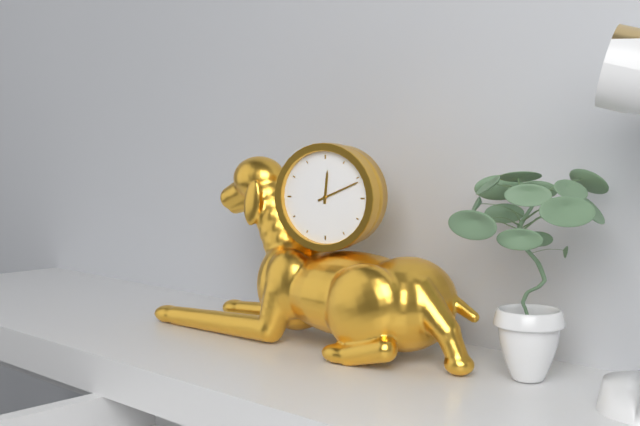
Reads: 12 h 11 min
